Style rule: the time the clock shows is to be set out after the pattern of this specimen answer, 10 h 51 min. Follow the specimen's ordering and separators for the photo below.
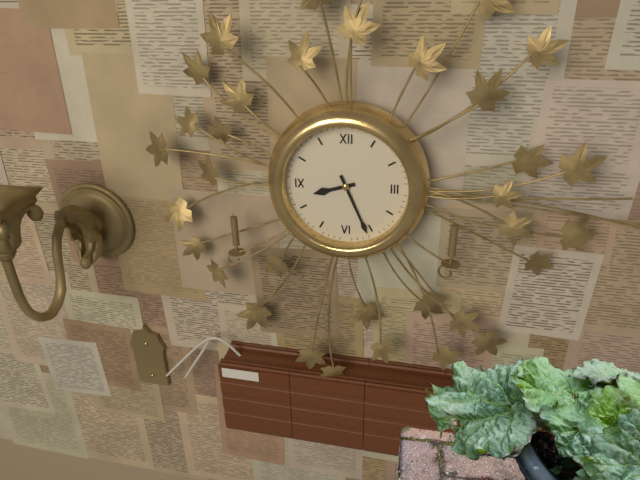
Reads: 8 h 26 min
